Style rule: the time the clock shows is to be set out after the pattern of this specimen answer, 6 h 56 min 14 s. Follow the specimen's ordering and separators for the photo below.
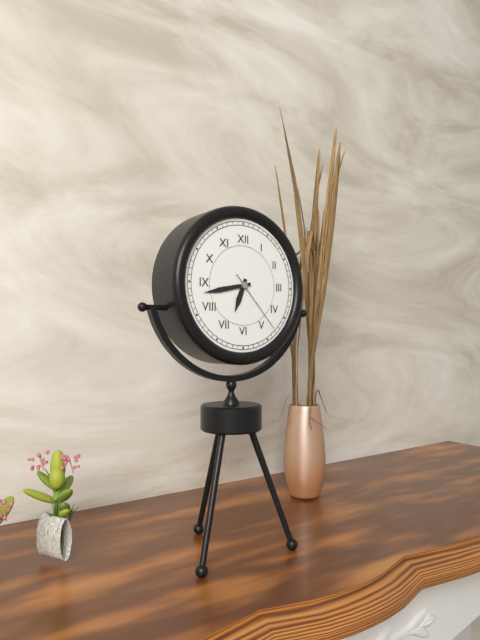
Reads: 6 h 43 min 23 s
